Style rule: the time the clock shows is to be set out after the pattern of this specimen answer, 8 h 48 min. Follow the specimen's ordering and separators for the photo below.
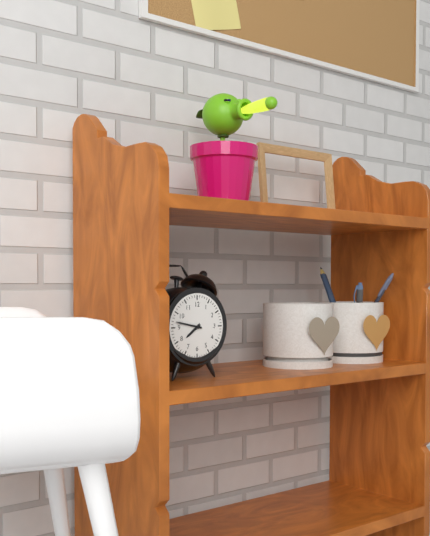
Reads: 7 h 47 min
